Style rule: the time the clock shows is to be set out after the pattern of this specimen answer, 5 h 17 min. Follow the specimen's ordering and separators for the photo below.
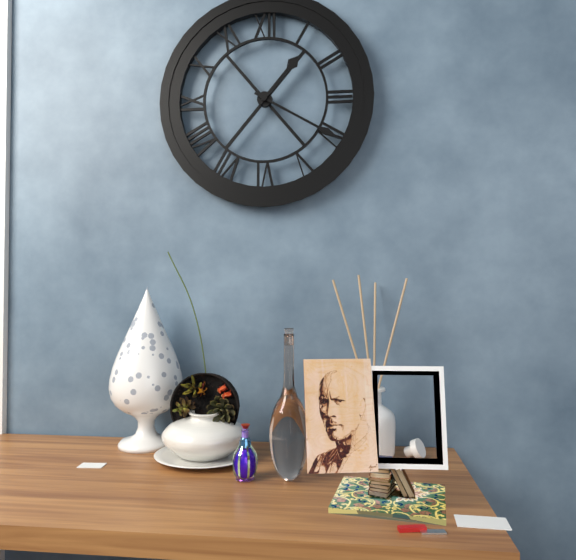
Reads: 1 h 20 min
